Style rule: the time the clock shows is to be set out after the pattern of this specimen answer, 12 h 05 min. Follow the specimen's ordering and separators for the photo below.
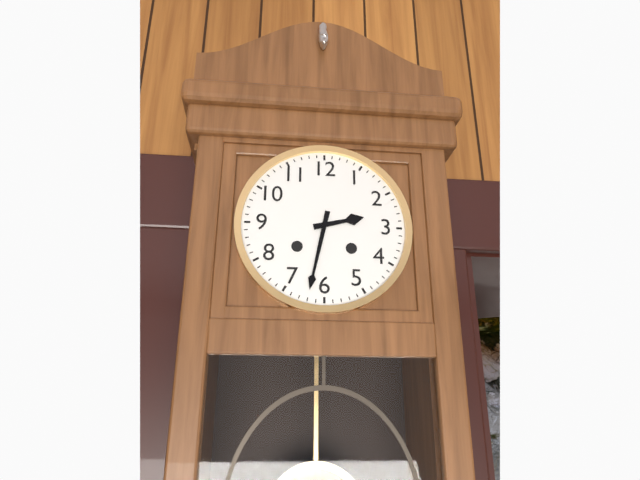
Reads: 2 h 32 min
